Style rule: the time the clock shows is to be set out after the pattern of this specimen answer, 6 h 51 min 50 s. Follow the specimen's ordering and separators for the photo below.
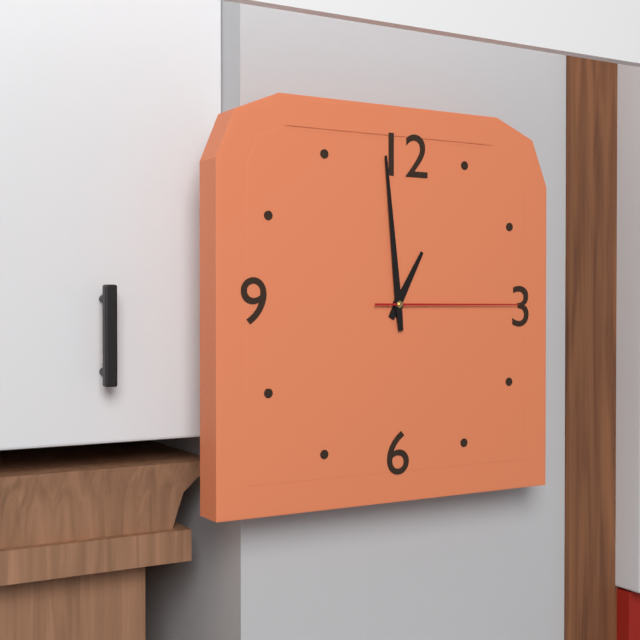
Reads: 12 h 59 min 15 s
